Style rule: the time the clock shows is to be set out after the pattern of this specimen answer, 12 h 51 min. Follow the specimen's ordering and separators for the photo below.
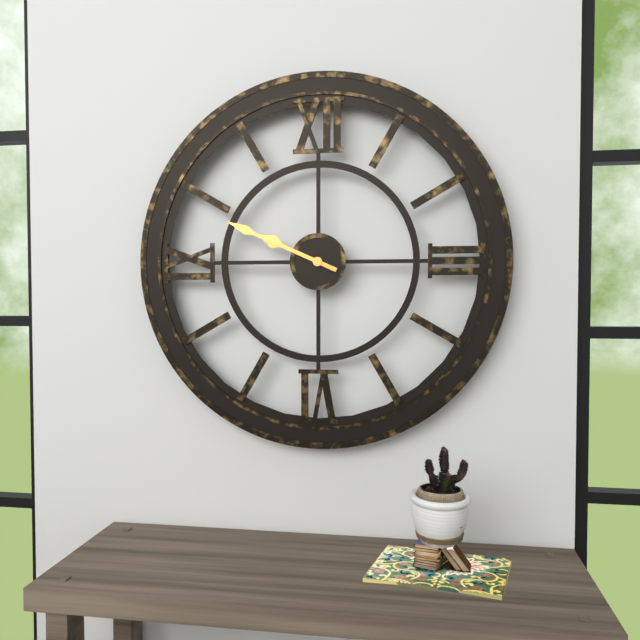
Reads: 9 h 49 min
